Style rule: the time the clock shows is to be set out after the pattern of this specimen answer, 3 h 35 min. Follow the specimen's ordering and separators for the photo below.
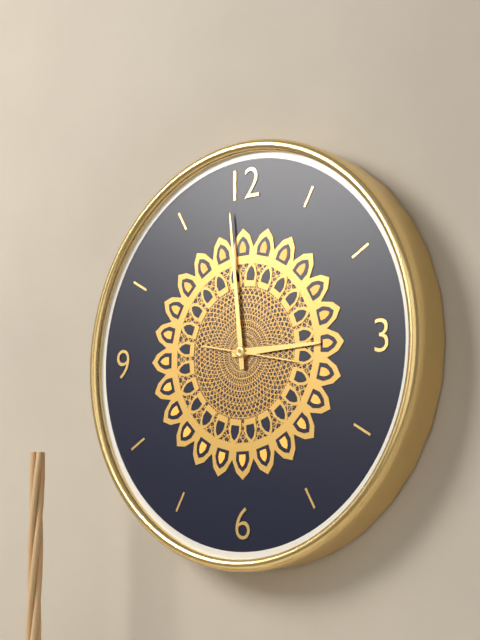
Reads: 2 h 59 min
